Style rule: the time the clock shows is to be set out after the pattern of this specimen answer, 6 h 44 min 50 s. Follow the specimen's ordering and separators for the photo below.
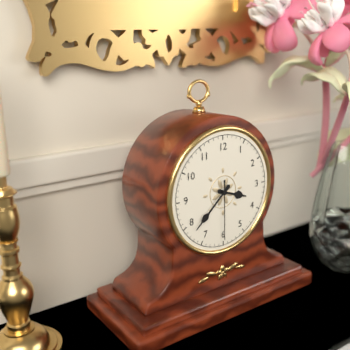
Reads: 3 h 38 min 30 s
